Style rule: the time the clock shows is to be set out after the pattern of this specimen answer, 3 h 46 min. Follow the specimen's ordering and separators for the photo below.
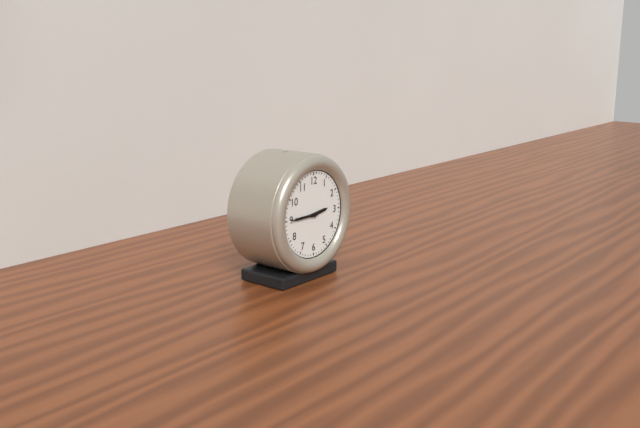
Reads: 2 h 45 min
